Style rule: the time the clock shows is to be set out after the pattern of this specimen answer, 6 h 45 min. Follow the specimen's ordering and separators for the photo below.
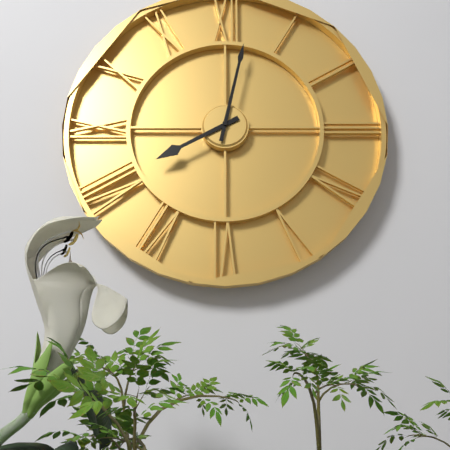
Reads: 8 h 02 min
